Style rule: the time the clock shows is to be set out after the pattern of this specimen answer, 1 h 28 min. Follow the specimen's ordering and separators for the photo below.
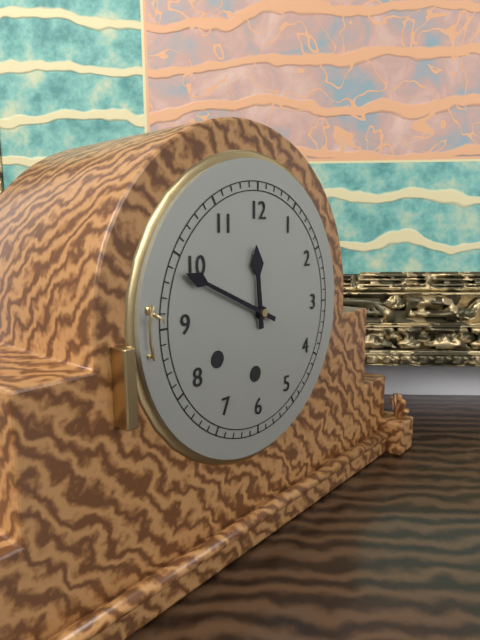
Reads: 11 h 49 min
